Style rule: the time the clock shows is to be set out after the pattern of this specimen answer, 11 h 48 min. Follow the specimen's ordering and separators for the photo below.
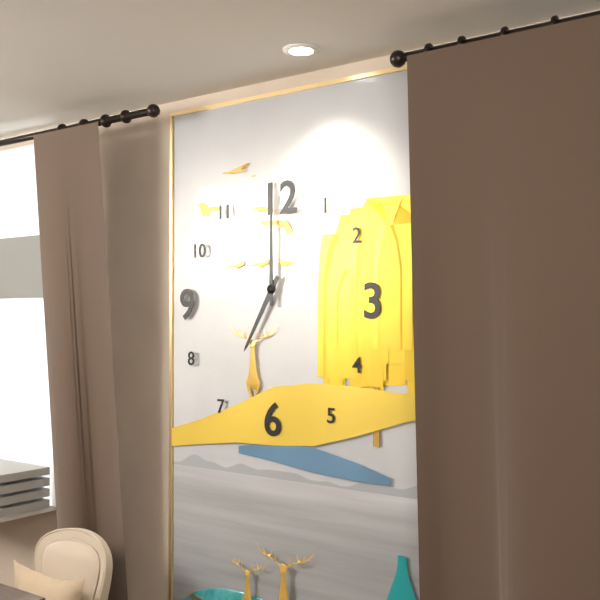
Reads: 7 h 00 min
